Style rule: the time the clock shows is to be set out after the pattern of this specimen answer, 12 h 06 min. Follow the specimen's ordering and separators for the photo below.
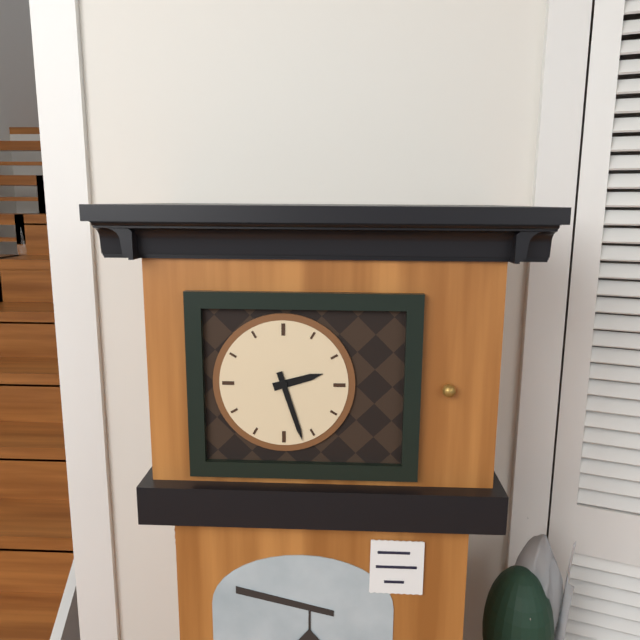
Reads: 2 h 27 min
